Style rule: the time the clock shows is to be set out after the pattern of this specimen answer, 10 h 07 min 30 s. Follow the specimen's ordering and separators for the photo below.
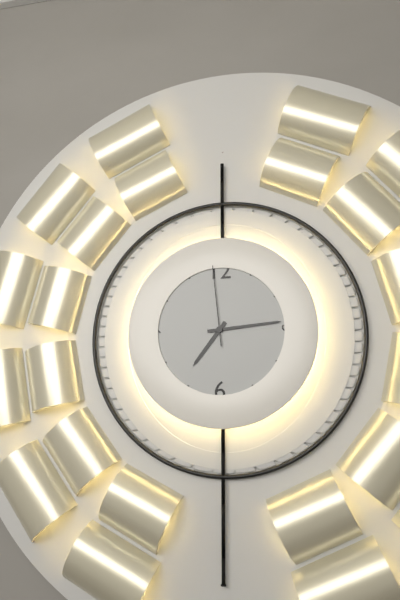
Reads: 7 h 14 min 59 s
